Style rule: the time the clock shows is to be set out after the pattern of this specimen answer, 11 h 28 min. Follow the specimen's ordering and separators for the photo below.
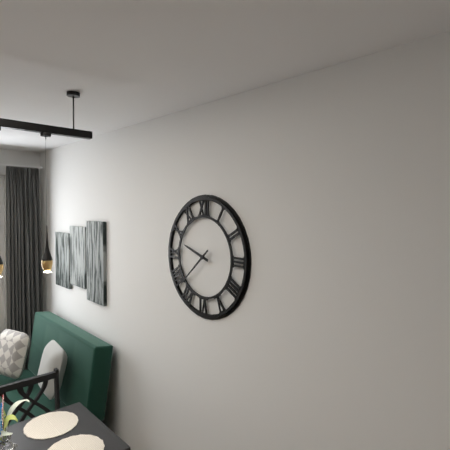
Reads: 9 h 38 min
